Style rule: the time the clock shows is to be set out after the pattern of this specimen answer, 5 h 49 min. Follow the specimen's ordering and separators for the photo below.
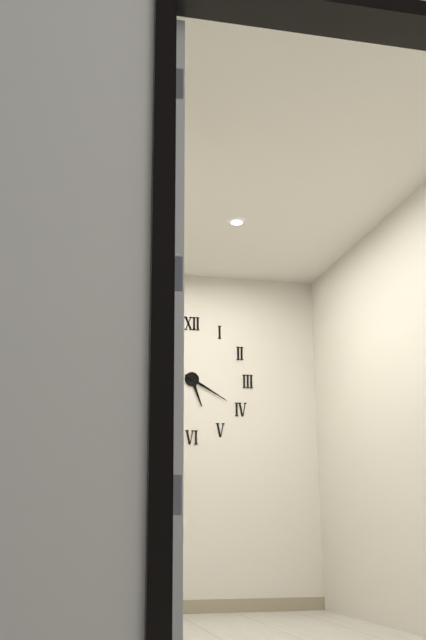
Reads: 5 h 20 min
